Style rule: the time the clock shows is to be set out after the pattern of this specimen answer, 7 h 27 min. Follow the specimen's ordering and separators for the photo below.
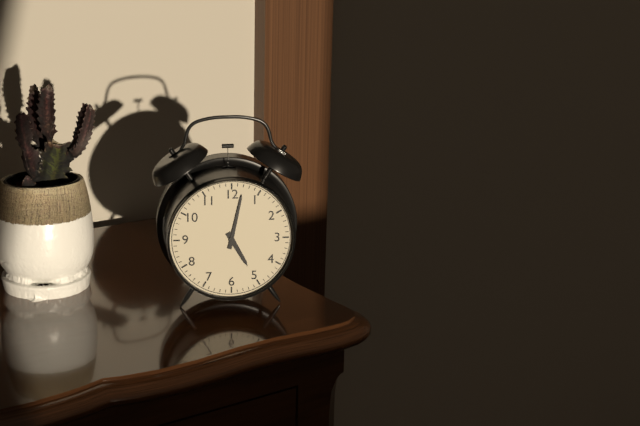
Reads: 5 h 02 min
